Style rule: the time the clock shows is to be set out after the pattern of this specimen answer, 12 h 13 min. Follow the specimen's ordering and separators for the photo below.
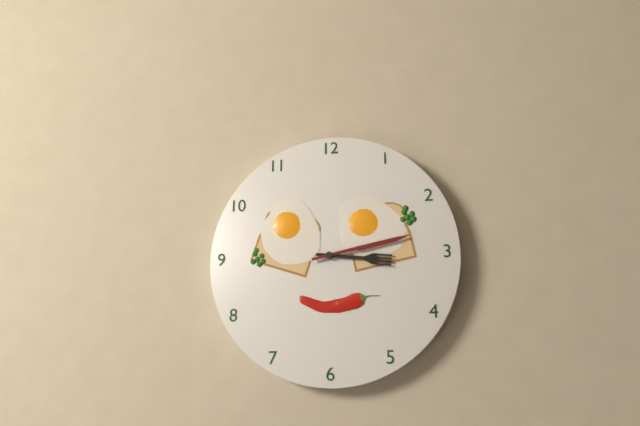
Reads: 3 h 13 min
